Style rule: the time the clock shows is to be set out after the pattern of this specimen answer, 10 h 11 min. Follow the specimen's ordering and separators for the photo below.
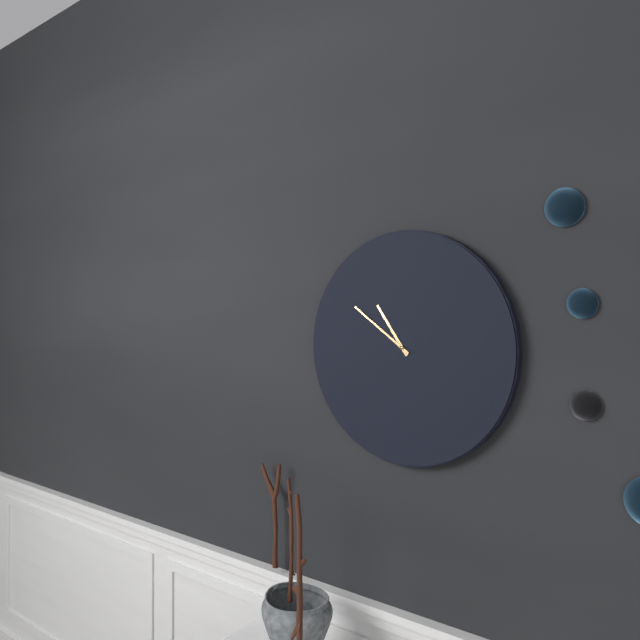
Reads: 10 h 51 min
